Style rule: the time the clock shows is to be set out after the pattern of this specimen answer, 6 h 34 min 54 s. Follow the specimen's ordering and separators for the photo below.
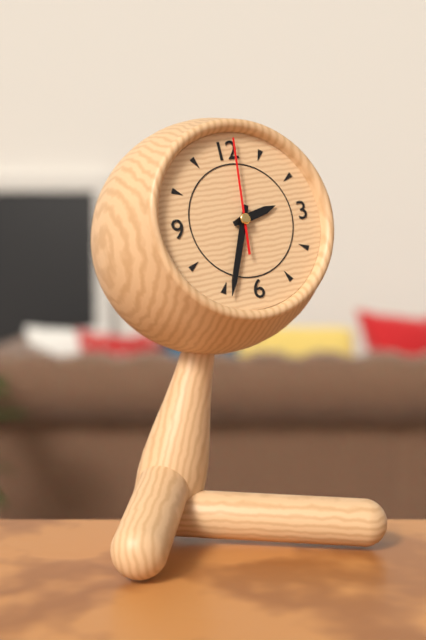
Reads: 2 h 34 min 01 s
